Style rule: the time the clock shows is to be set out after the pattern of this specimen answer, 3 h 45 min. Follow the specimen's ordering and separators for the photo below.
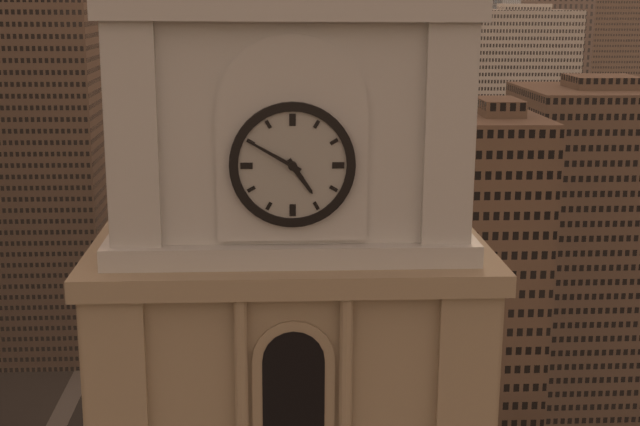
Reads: 4 h 50 min
